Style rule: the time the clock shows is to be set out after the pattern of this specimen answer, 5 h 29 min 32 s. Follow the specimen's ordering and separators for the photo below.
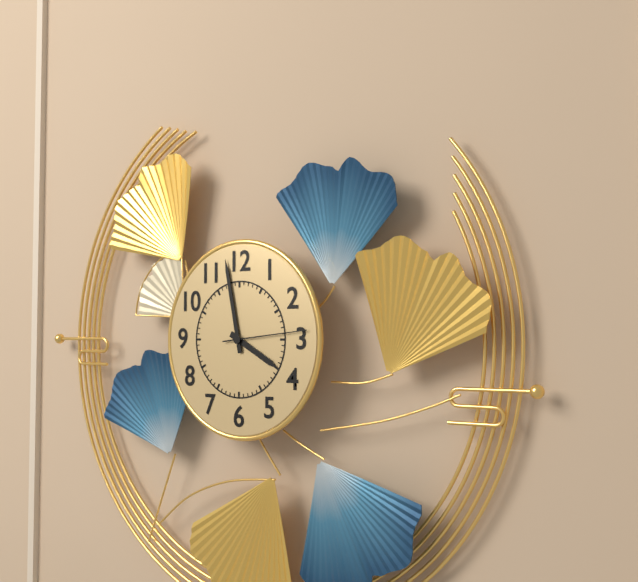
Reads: 3 h 58 min 14 s
